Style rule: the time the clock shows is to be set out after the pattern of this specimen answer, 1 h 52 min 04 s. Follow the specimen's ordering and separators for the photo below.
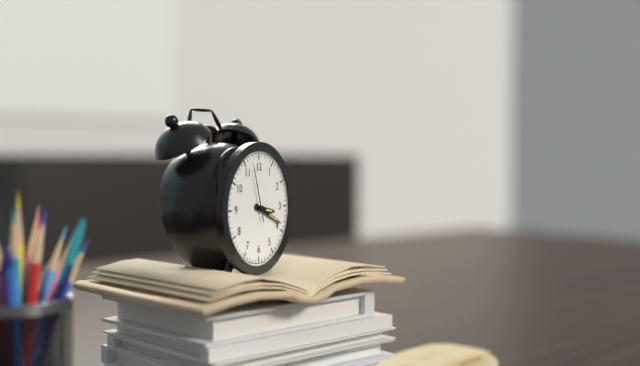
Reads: 3 h 19 min 57 s
